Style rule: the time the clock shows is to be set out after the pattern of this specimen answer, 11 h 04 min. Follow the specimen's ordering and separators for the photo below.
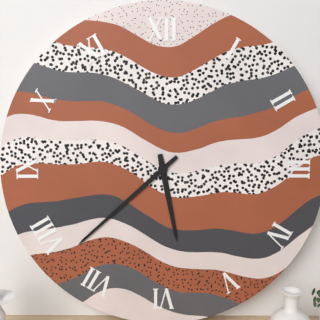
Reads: 5 h 38 min
